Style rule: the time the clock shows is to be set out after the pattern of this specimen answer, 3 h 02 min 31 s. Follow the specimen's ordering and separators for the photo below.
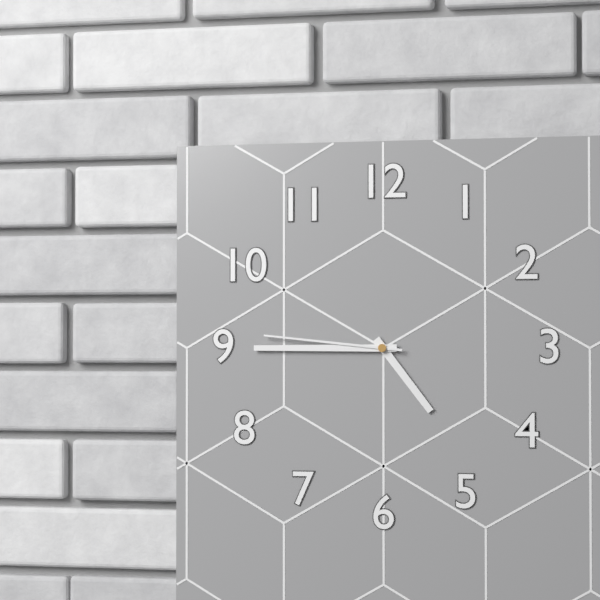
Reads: 4 h 45 min 46 s
